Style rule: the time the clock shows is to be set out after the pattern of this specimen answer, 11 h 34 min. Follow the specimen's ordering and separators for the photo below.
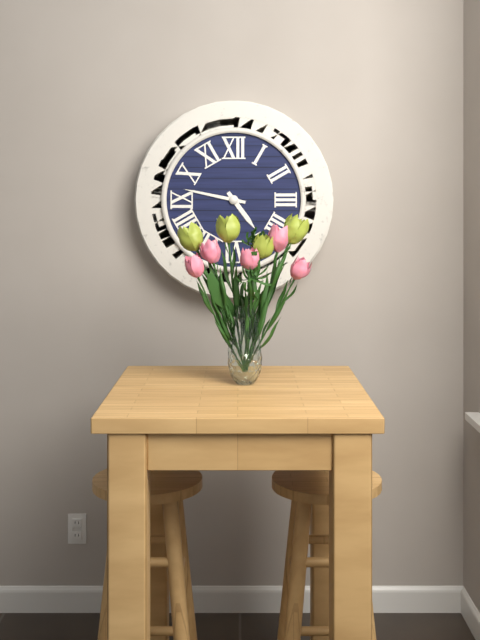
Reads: 4 h 47 min
